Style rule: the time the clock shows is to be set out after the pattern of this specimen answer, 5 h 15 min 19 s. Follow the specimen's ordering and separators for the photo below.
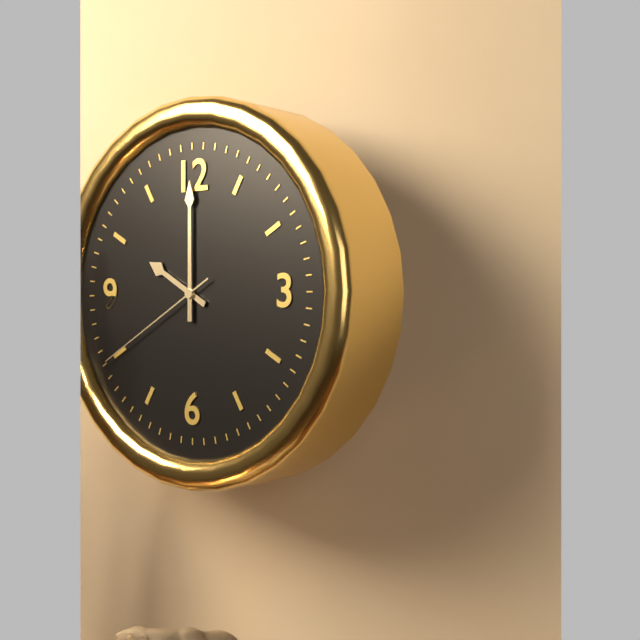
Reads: 10 h 00 min 40 s
